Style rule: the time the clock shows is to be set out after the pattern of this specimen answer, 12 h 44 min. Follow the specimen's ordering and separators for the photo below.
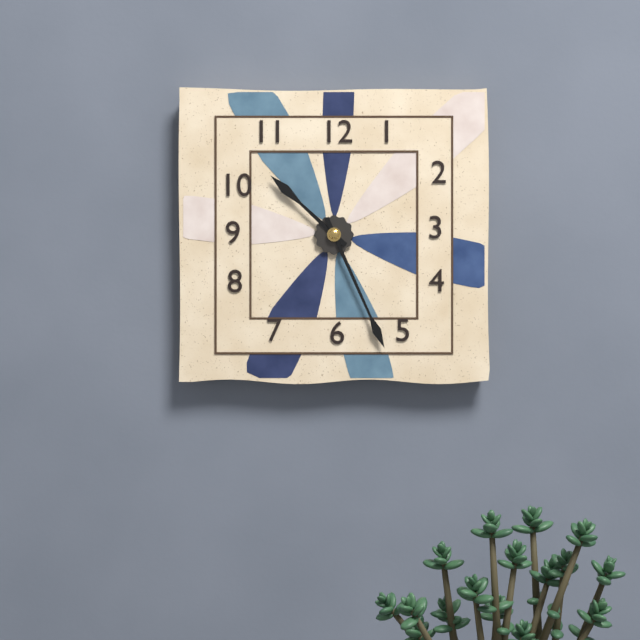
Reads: 10 h 26 min
